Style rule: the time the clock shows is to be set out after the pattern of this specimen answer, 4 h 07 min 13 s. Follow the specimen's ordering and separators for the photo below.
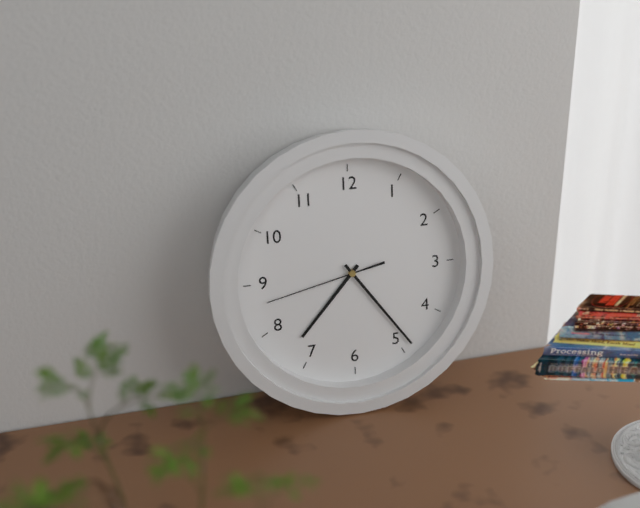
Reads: 7 h 24 min 43 s
